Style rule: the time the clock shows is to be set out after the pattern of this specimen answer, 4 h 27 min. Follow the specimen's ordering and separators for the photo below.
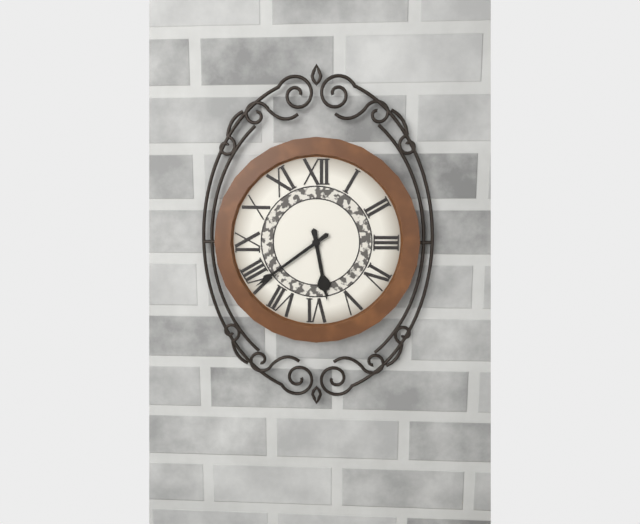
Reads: 5 h 39 min
